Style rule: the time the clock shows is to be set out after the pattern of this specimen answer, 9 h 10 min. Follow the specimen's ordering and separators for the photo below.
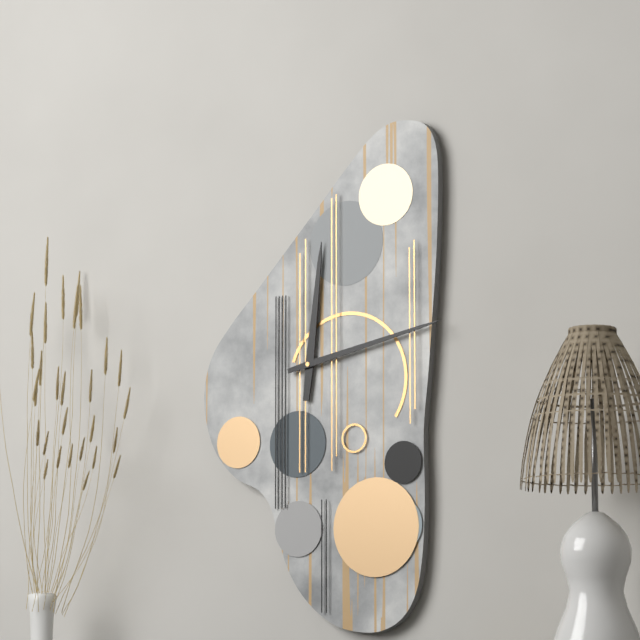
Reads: 12 h 13 min
